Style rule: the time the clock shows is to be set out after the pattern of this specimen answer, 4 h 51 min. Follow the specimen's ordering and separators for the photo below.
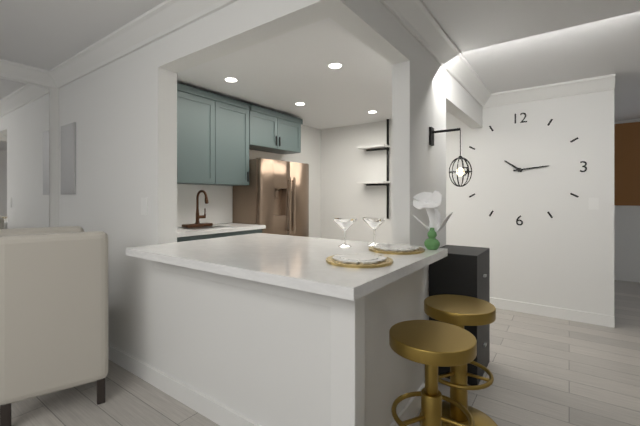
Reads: 10 h 14 min
